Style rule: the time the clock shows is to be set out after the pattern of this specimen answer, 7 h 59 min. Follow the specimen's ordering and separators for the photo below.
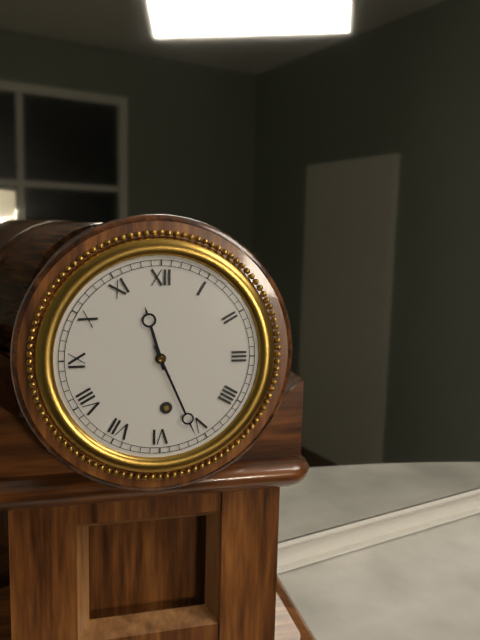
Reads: 11 h 26 min
